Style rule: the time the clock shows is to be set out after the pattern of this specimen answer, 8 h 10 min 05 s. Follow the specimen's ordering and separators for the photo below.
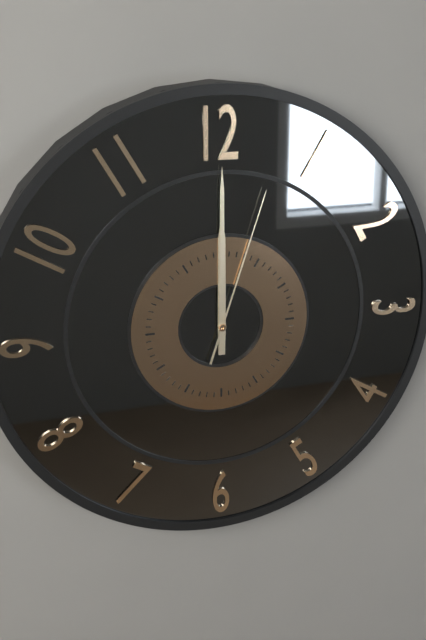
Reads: 12 h 00 min 03 s
